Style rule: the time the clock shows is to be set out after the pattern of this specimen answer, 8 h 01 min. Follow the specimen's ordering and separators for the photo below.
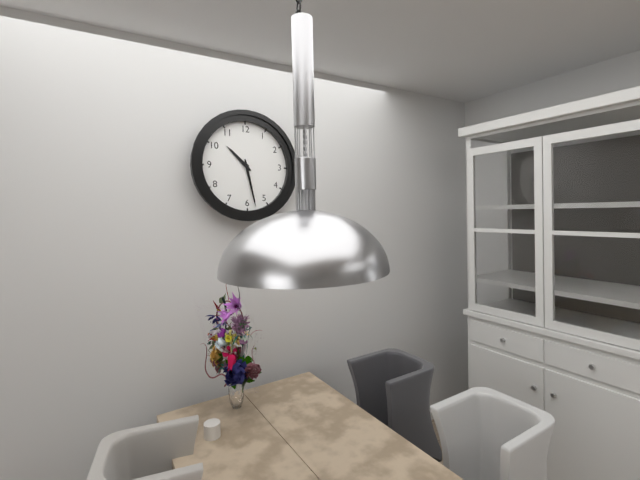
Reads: 10 h 28 min
